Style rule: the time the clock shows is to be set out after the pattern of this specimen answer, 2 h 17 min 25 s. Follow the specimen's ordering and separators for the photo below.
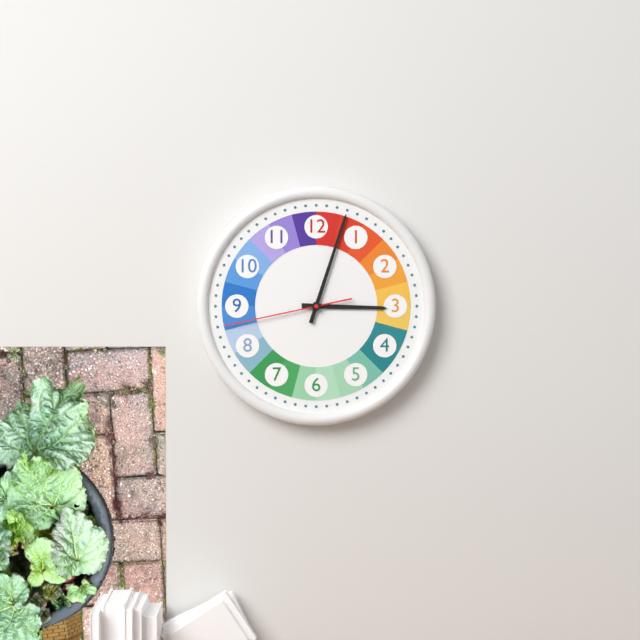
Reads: 3 h 03 min 43 s
